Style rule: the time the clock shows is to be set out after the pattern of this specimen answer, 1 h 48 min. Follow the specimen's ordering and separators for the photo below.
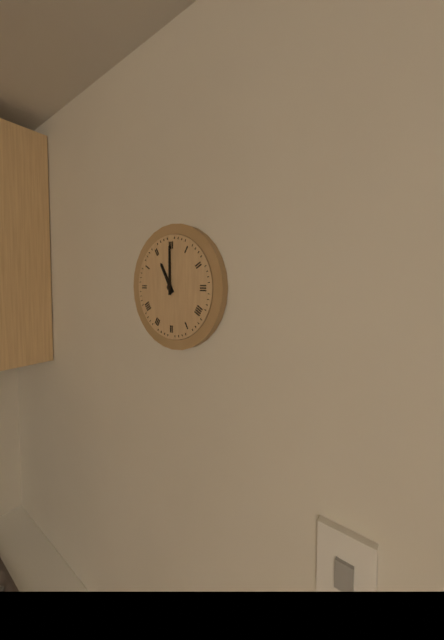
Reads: 11 h 00 min
